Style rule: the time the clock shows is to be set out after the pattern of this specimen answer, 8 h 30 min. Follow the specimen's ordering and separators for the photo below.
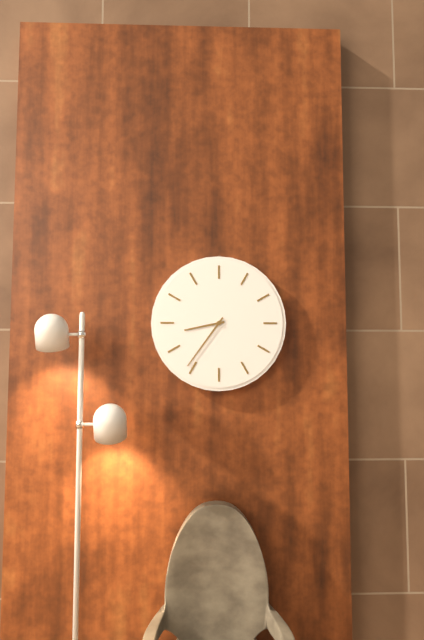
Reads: 8 h 36 min
